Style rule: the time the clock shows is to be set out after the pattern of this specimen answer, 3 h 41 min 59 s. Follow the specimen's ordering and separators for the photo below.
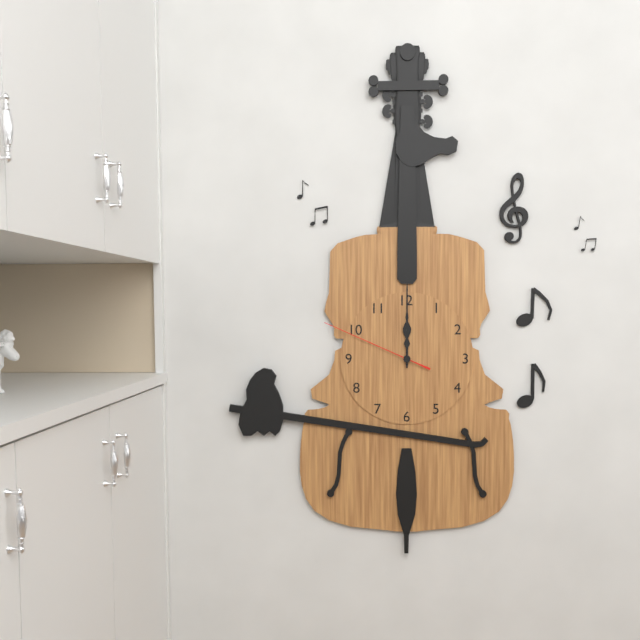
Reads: 12 h 00 min 49 s
